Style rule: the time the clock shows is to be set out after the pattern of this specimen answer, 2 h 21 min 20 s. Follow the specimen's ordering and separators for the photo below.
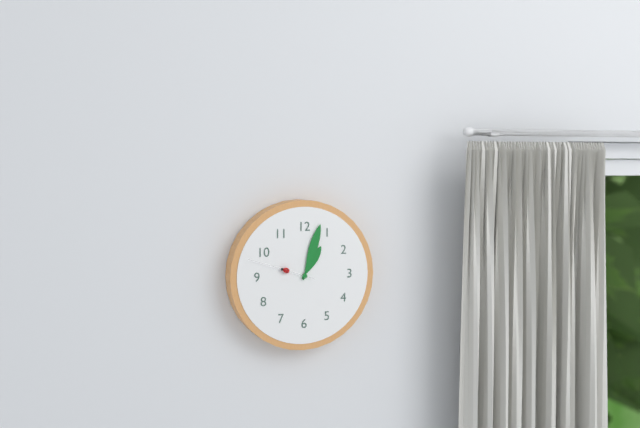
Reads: 1 h 03 min 48 s
